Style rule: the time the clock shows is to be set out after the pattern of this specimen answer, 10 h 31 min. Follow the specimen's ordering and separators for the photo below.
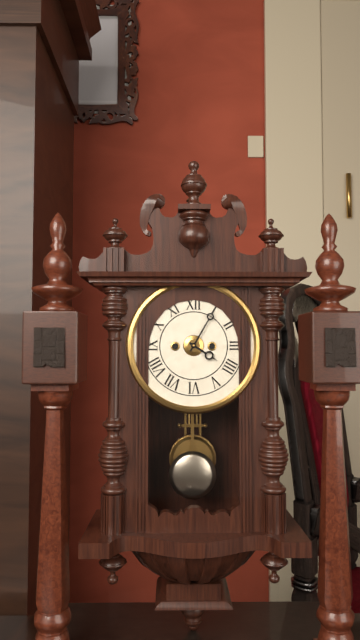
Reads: 4 h 05 min
